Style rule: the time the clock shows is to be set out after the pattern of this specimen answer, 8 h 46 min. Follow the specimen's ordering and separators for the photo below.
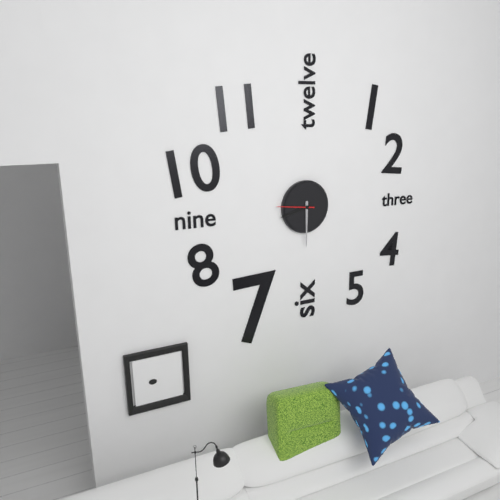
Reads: 8 h 30 min
